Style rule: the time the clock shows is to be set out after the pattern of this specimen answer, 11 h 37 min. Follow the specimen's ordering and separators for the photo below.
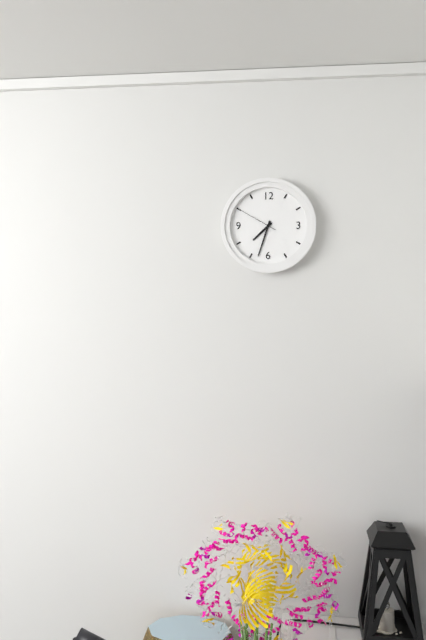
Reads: 7 h 33 min
